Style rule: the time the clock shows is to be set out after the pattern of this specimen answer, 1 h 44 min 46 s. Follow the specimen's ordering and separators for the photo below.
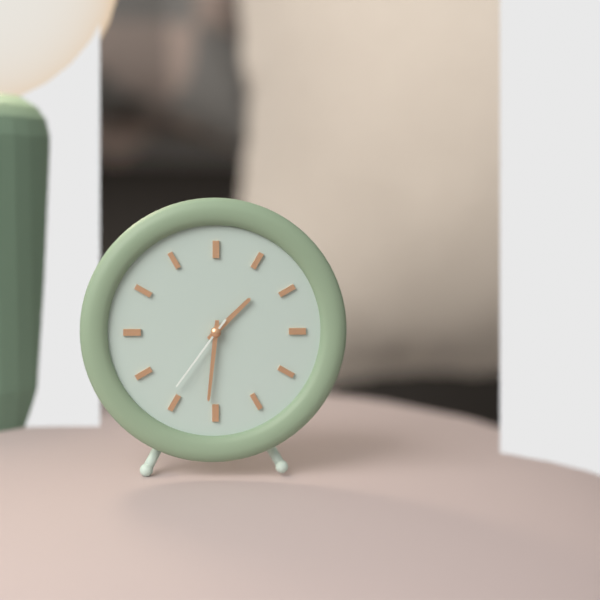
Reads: 1 h 31 min 36 s
